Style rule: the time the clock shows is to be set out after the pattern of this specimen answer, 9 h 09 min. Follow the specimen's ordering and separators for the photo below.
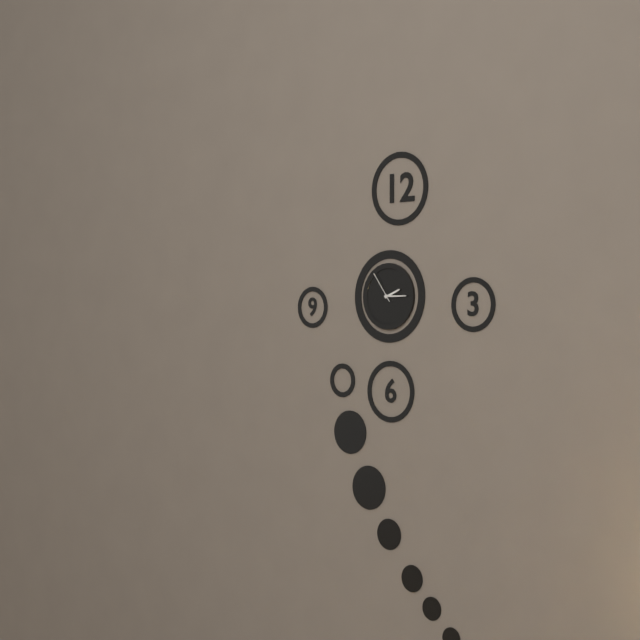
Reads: 2 h 15 min
